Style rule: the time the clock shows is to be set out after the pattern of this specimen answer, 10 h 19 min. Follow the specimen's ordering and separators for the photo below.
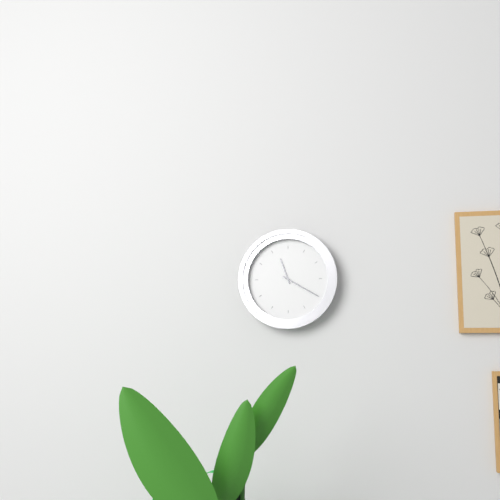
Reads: 11 h 20 min
